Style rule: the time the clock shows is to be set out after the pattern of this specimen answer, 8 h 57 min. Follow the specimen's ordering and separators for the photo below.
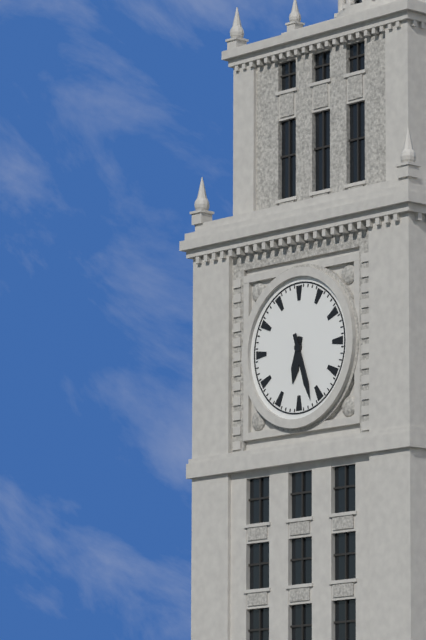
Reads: 6 h 27 min
